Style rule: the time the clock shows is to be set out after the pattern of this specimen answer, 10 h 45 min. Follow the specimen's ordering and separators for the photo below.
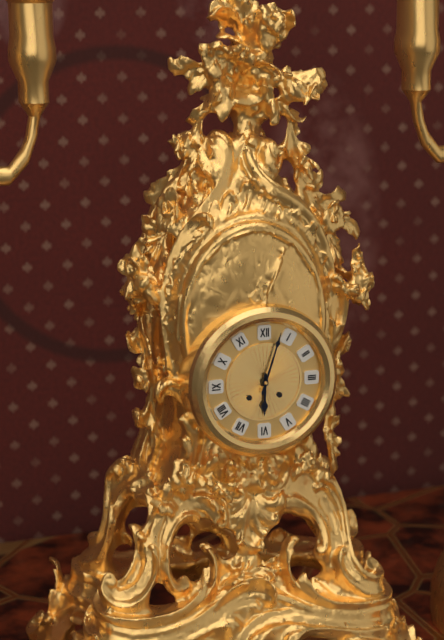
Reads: 6 h 03 min
